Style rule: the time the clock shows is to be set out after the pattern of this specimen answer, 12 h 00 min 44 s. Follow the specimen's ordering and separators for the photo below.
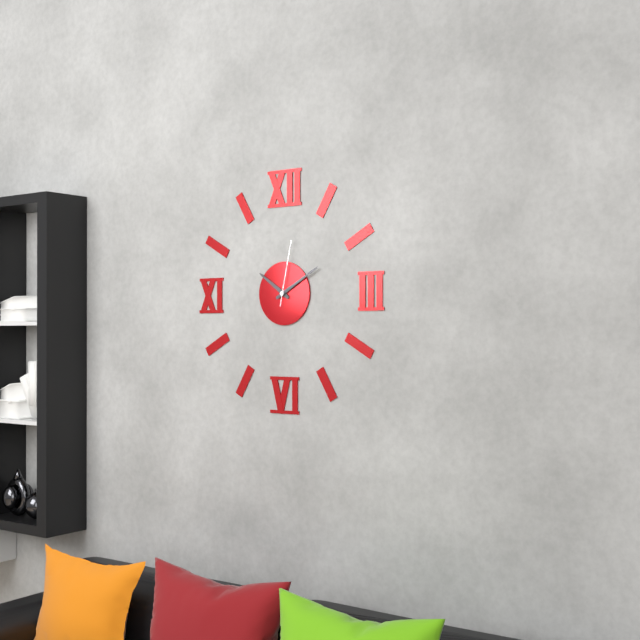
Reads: 10 h 10 min 02 s
